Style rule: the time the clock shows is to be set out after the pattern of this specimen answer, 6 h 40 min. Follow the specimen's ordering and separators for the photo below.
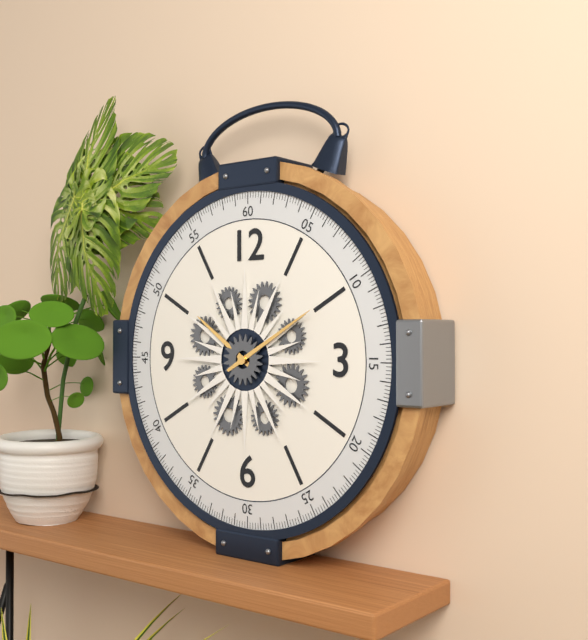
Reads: 10 h 10 min
